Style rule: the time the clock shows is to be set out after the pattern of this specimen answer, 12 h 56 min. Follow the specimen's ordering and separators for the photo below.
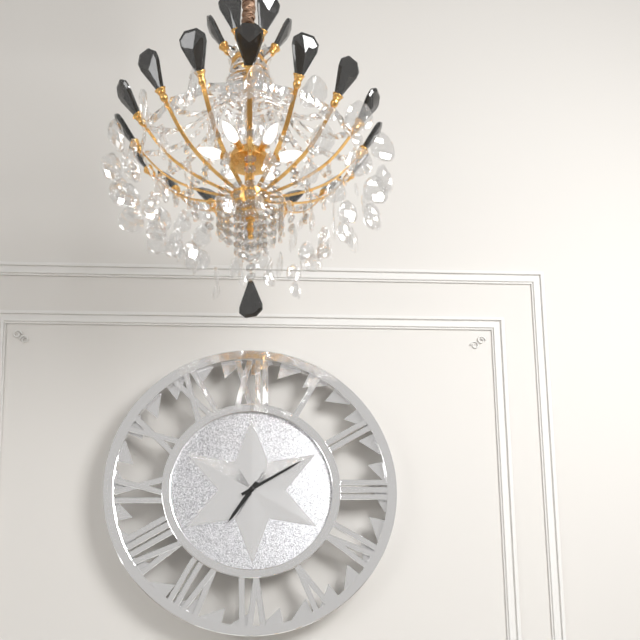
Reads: 7 h 10 min
